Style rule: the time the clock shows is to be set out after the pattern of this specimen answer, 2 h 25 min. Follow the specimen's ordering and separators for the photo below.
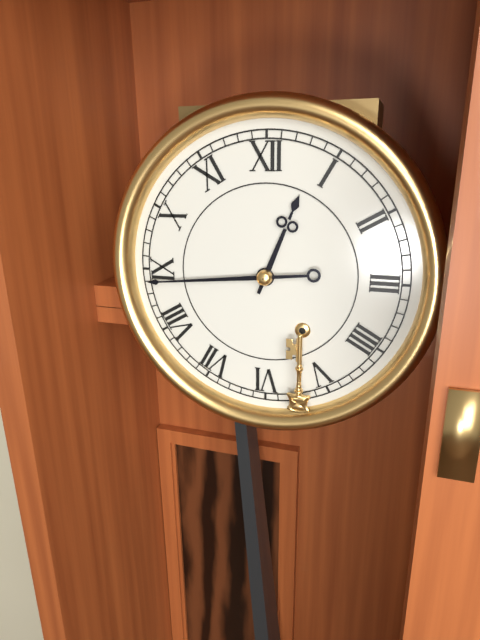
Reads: 12 h 44 min
